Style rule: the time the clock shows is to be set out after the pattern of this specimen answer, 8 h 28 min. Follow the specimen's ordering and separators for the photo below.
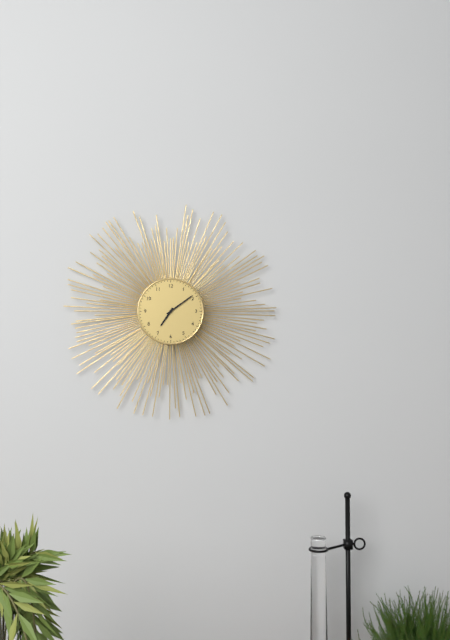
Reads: 7 h 09 min
